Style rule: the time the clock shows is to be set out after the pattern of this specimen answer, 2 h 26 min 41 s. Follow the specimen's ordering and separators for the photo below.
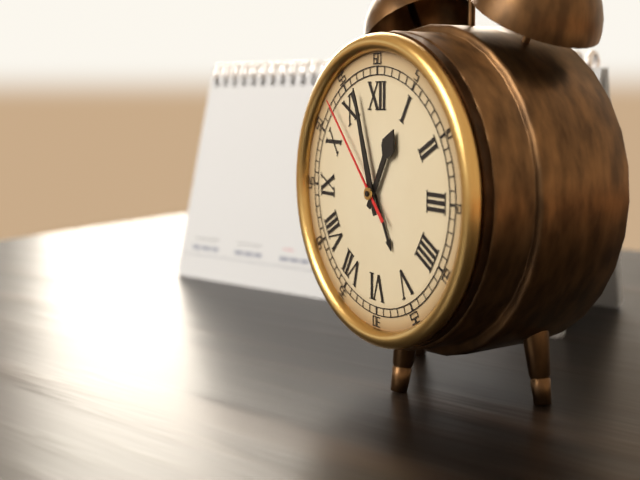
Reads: 12 h 57 min 53 s
